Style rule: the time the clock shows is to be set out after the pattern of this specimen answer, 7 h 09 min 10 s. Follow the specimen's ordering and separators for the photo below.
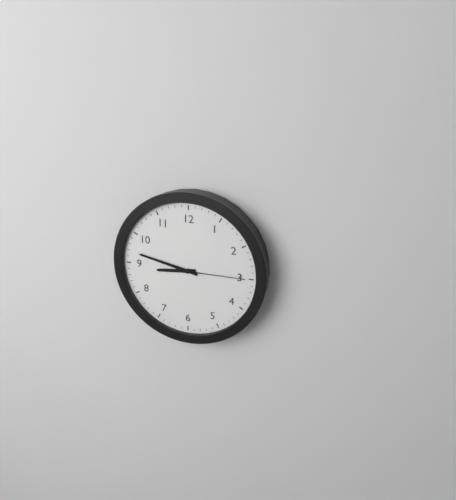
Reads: 8 h 47 min 15 s
